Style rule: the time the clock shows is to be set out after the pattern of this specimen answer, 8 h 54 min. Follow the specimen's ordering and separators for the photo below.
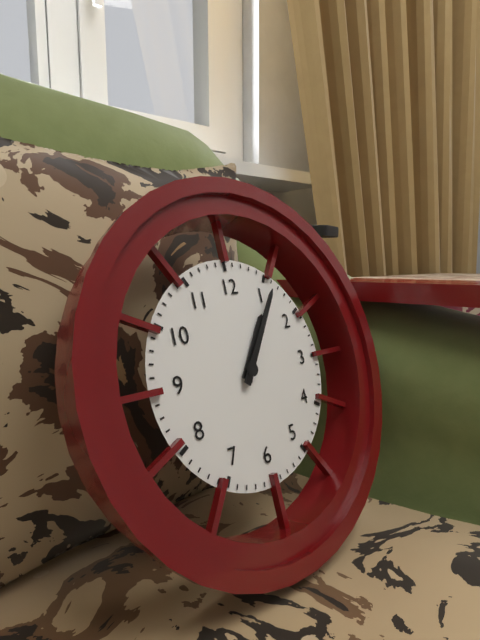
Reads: 1 h 06 min
